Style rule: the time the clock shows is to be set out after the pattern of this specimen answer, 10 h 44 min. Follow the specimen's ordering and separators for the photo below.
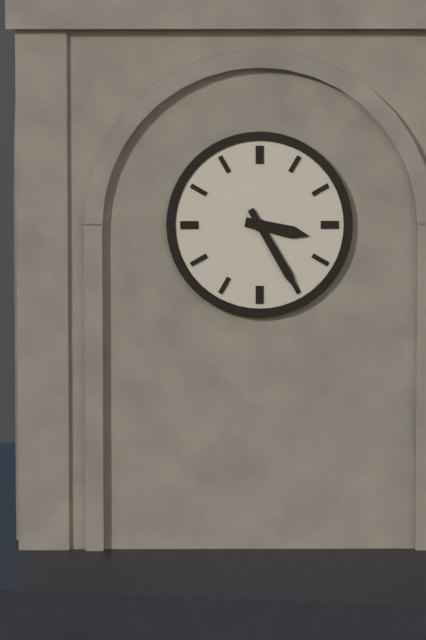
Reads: 3 h 25 min
